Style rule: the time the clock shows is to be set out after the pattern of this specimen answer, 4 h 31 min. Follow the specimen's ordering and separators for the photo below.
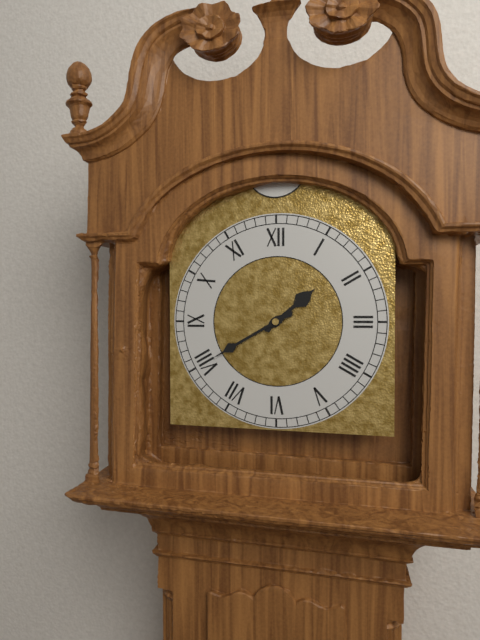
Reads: 1 h 40 min
